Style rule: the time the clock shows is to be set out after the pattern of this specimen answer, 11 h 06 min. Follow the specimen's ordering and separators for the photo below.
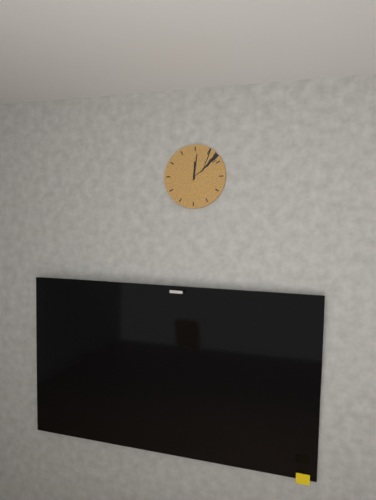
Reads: 12 h 01 min
